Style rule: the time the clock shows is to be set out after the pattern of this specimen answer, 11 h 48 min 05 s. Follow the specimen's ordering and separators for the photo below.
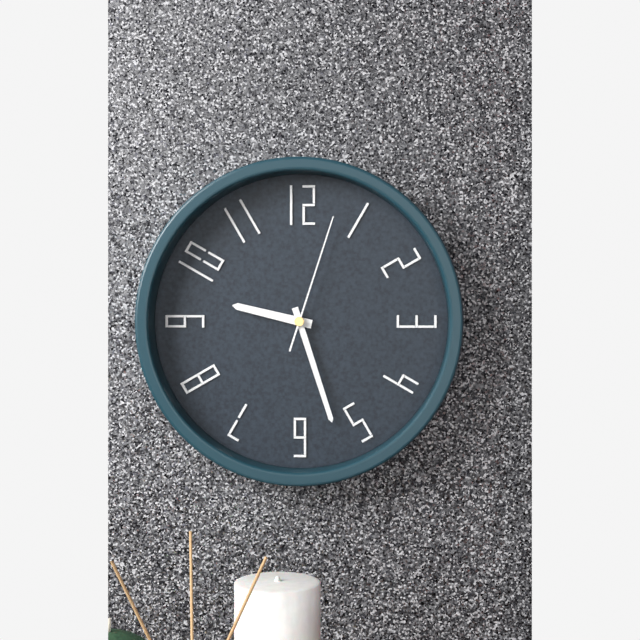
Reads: 9 h 27 min 03 s
